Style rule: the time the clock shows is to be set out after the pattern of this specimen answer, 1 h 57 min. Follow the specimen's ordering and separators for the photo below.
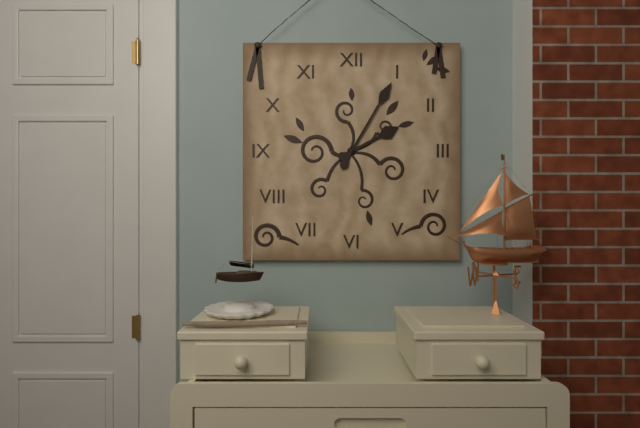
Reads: 2 h 05 min
